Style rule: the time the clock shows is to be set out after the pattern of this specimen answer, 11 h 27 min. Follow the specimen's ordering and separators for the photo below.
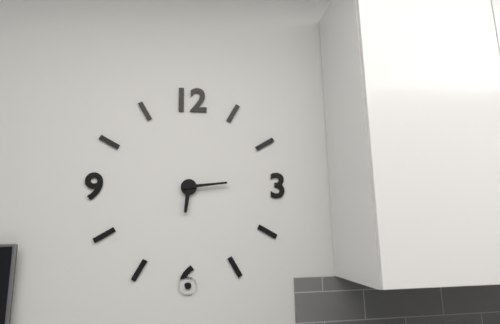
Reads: 6 h 14 min
